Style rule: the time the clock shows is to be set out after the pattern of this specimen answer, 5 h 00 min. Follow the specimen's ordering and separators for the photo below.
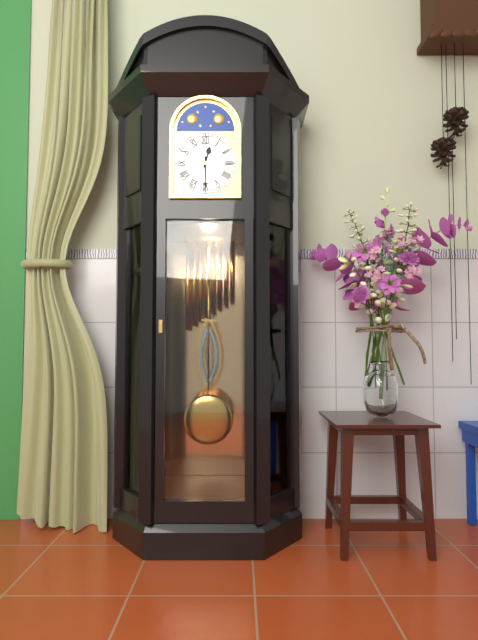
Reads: 12 h 30 min
